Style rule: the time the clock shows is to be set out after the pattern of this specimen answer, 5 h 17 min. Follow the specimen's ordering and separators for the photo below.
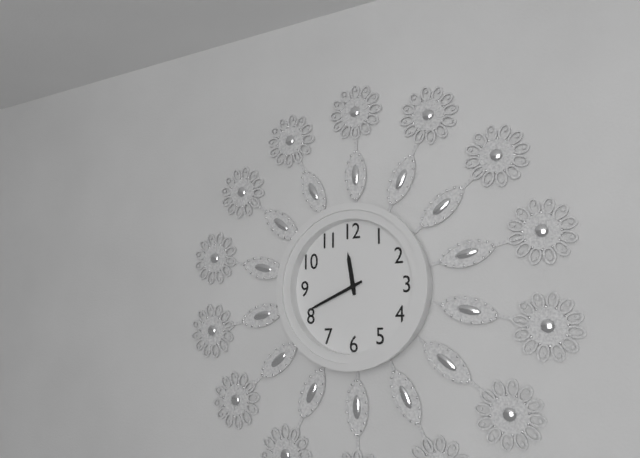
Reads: 11 h 41 min
